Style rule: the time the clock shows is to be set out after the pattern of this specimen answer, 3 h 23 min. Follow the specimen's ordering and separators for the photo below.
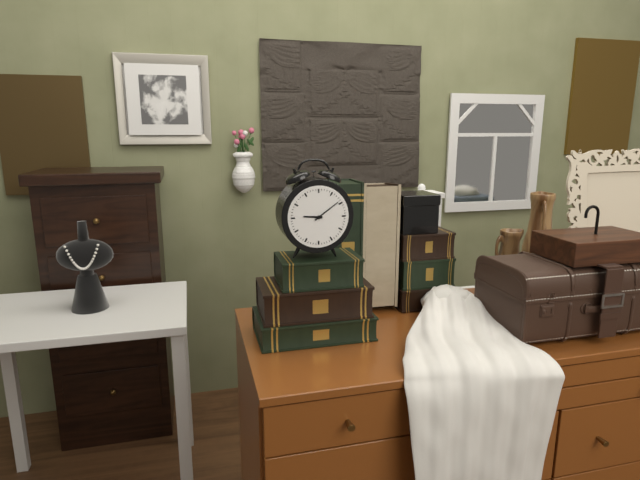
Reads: 9 h 09 min
